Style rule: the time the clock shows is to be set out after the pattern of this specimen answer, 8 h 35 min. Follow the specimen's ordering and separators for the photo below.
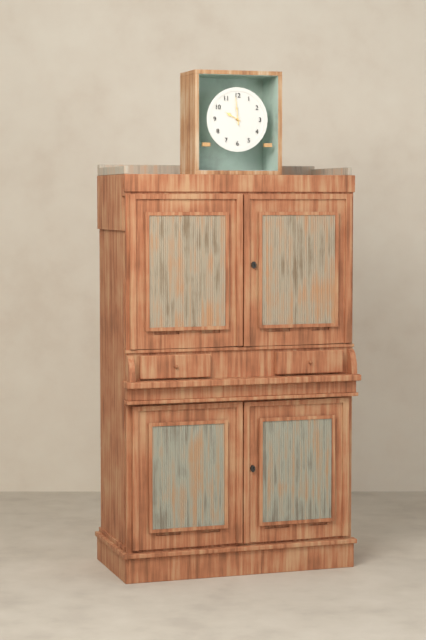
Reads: 9 h 59 min
